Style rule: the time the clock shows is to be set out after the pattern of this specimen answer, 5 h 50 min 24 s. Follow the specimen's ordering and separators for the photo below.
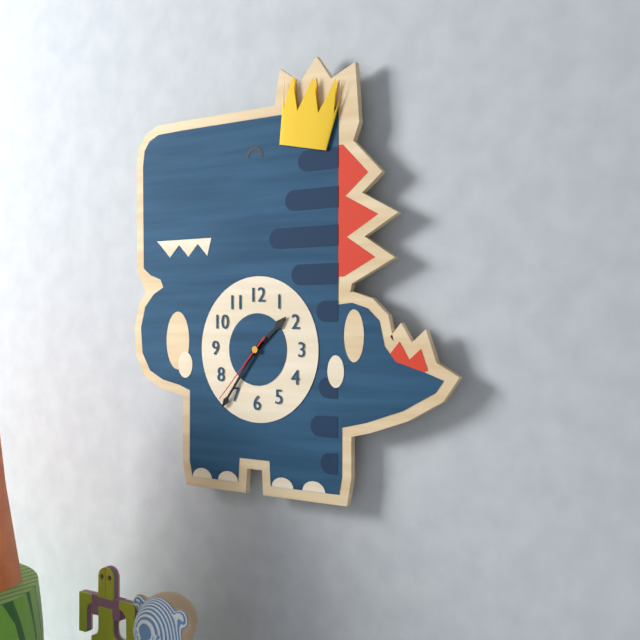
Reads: 1 h 36 min 37 s
